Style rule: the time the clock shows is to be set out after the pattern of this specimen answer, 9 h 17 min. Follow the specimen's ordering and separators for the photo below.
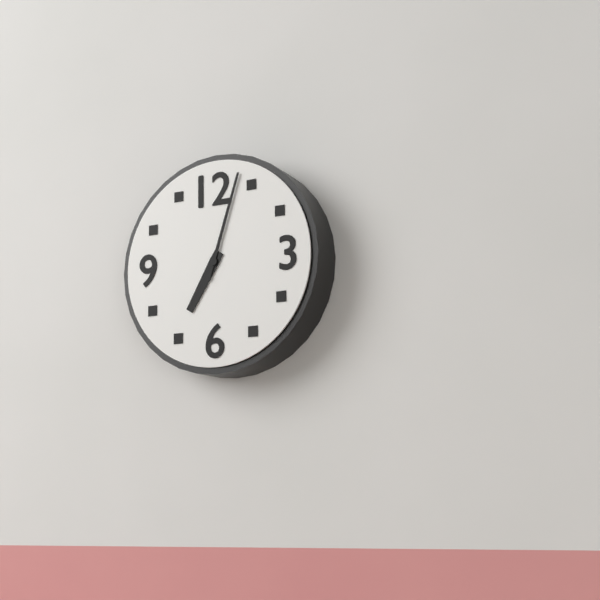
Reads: 7 h 03 min
